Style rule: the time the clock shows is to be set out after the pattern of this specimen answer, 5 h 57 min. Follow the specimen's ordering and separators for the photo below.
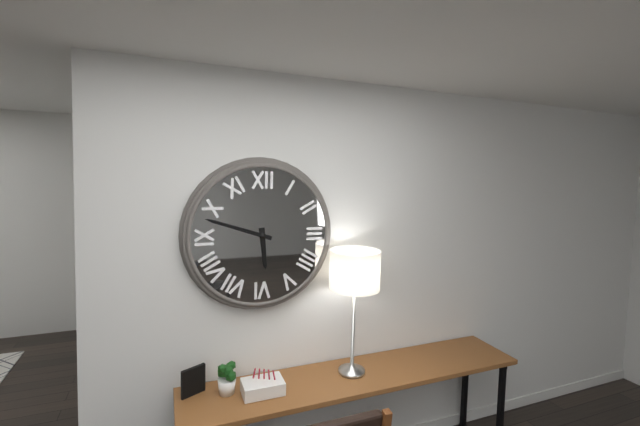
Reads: 5 h 48 min
